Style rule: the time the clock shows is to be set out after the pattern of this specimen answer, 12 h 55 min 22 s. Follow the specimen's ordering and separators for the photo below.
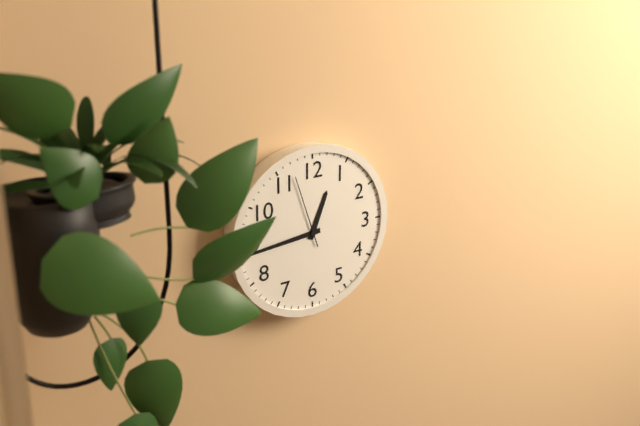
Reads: 12 h 44 min 57 s
